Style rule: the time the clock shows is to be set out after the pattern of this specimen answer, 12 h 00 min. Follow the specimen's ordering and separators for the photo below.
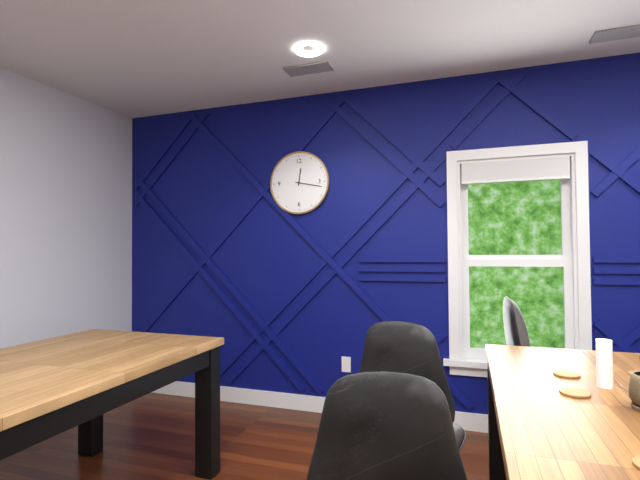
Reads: 12 h 17 min
